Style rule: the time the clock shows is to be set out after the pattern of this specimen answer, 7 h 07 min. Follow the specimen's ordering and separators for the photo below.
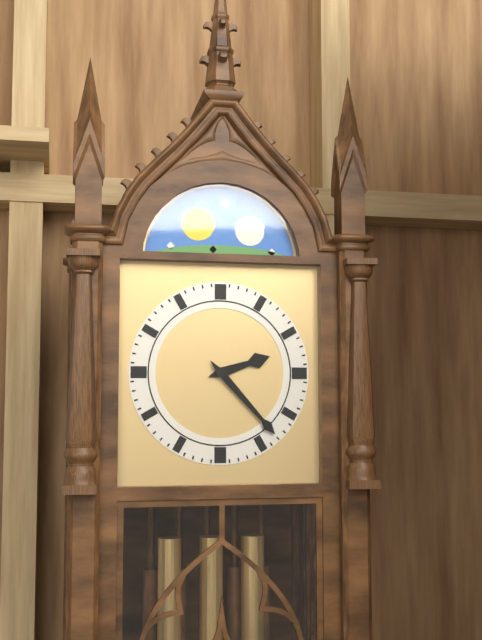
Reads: 2 h 23 min
